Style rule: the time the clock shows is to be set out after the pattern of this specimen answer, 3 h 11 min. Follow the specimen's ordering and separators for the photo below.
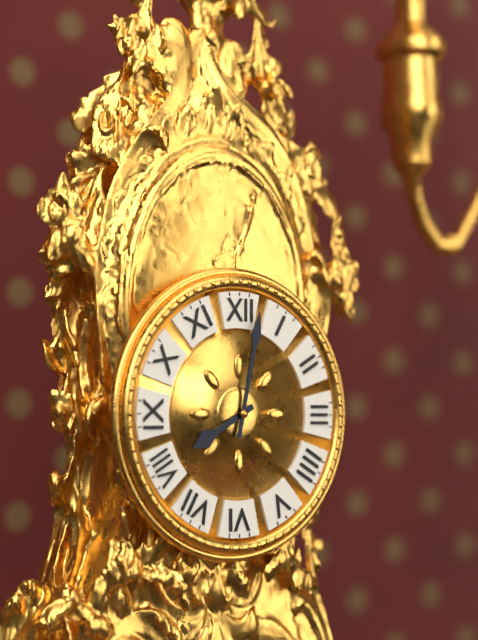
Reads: 8 h 02 min
